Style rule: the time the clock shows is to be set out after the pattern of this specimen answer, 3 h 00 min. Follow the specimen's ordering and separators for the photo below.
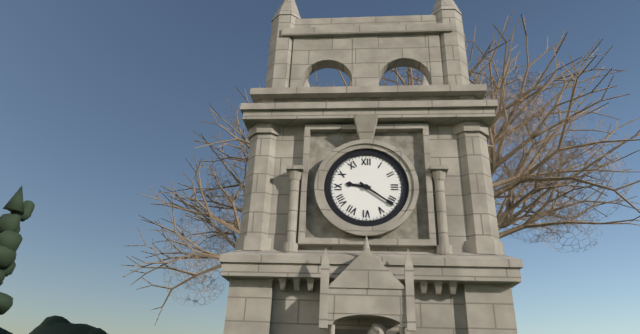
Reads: 9 h 21 min
